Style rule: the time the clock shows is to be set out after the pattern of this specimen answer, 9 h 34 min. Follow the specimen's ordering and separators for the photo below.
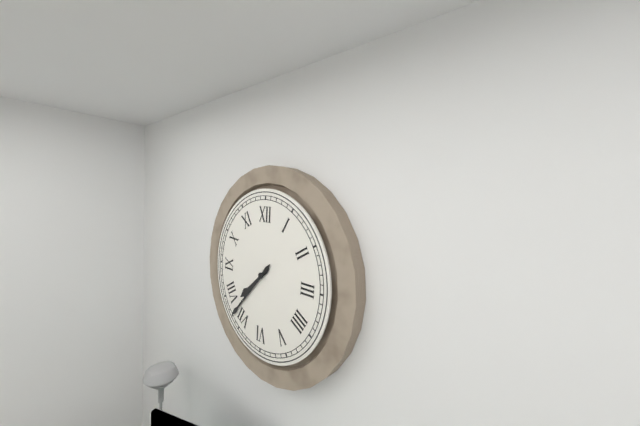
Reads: 7 h 37 min
